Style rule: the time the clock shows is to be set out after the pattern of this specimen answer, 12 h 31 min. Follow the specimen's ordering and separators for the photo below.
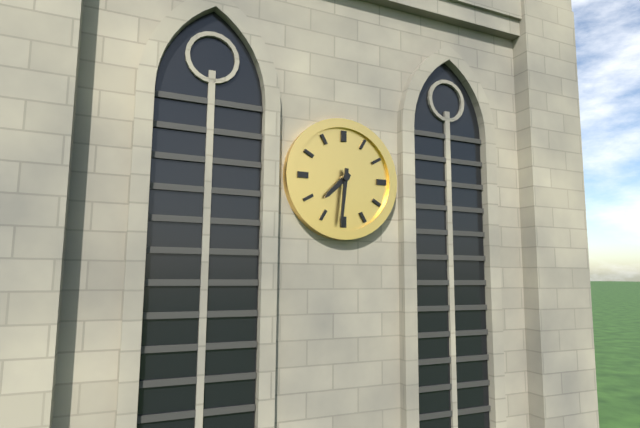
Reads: 7 h 31 min
